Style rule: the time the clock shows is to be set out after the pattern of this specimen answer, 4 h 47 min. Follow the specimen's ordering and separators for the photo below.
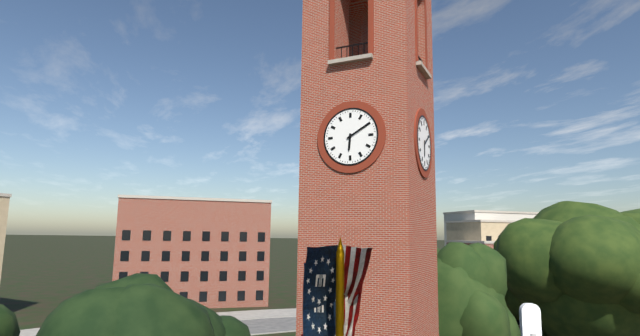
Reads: 6 h 10 min
